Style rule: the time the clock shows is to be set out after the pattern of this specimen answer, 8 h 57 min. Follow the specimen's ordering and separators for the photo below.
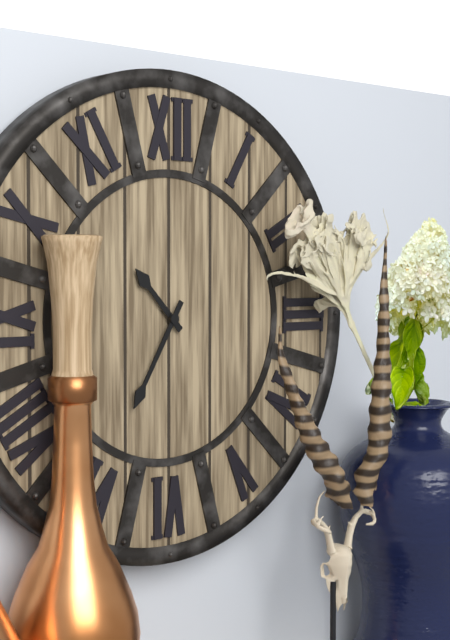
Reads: 10 h 35 min
